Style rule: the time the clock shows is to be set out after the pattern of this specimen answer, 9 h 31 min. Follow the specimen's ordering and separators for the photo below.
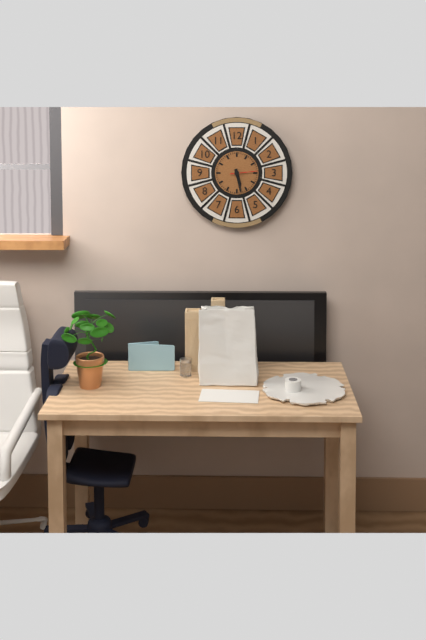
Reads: 5 h 28 min
